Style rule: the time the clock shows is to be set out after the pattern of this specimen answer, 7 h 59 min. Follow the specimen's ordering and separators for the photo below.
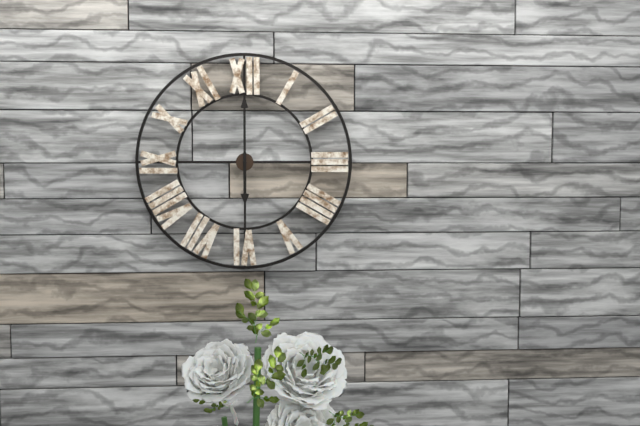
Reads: 6 h 00 min
